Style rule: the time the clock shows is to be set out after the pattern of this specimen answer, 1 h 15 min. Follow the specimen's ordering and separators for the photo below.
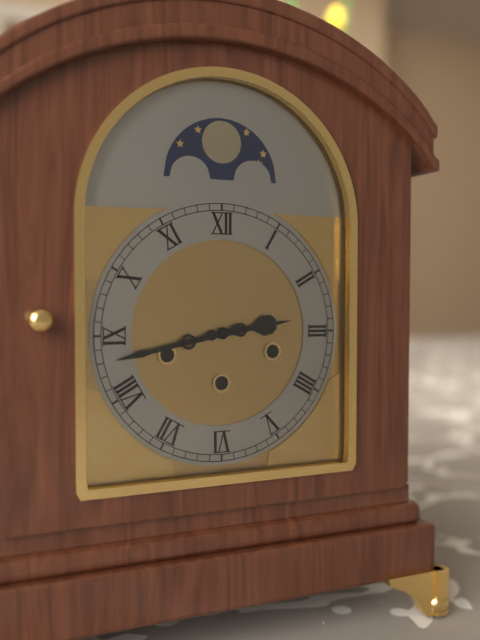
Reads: 2 h 43 min
